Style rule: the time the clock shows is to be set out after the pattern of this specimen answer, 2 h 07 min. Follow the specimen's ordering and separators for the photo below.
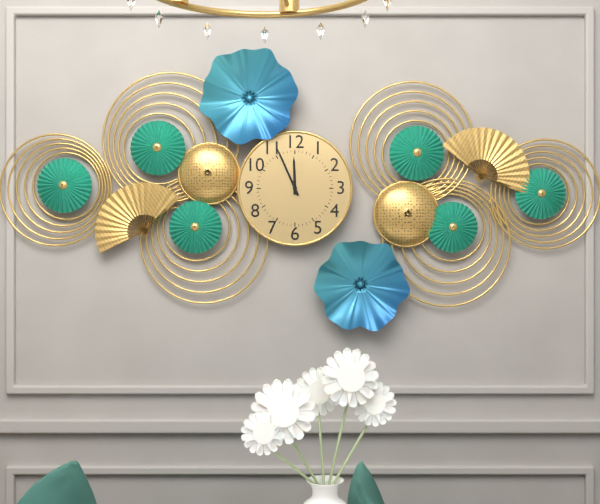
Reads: 11 h 56 min
